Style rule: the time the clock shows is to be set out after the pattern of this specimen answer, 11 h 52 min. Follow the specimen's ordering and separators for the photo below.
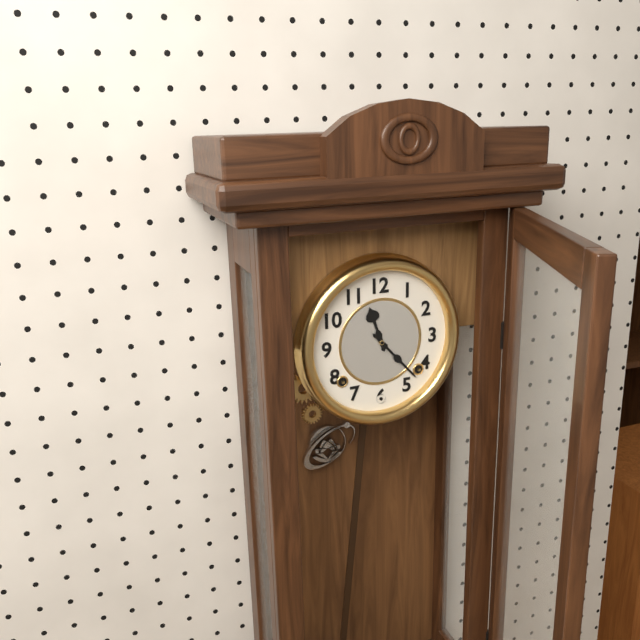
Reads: 11 h 23 min
